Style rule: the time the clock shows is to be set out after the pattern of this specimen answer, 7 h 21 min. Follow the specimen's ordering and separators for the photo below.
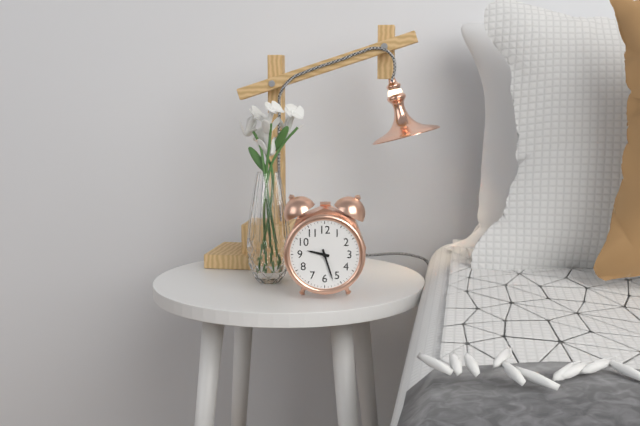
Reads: 9 h 27 min
